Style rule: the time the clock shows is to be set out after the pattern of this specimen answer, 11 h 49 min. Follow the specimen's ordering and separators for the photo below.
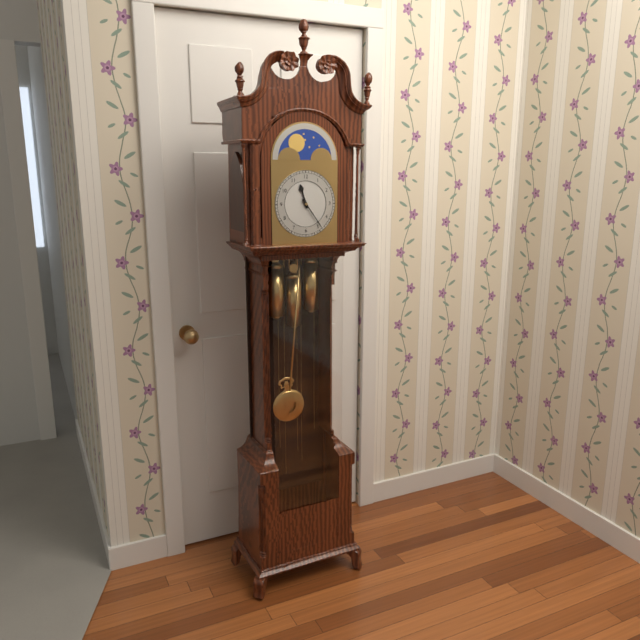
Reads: 11 h 24 min
